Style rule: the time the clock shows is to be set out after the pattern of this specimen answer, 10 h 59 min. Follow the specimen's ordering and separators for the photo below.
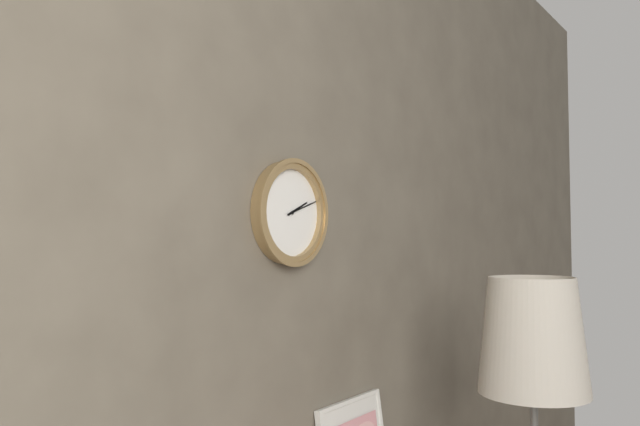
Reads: 2 h 12 min
